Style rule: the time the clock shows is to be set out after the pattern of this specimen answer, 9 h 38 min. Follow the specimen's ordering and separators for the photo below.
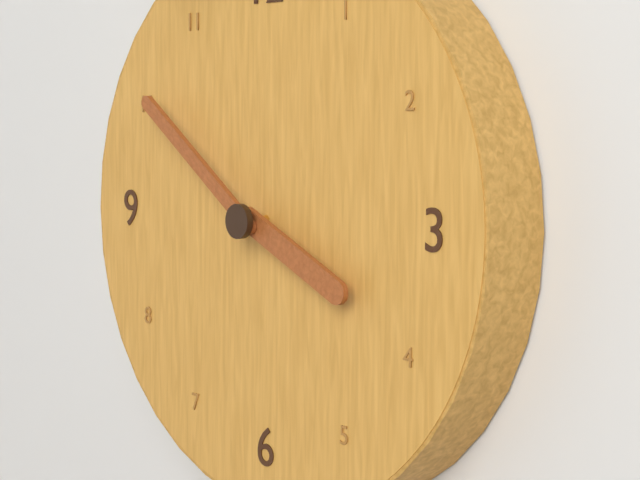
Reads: 3 h 51 min
